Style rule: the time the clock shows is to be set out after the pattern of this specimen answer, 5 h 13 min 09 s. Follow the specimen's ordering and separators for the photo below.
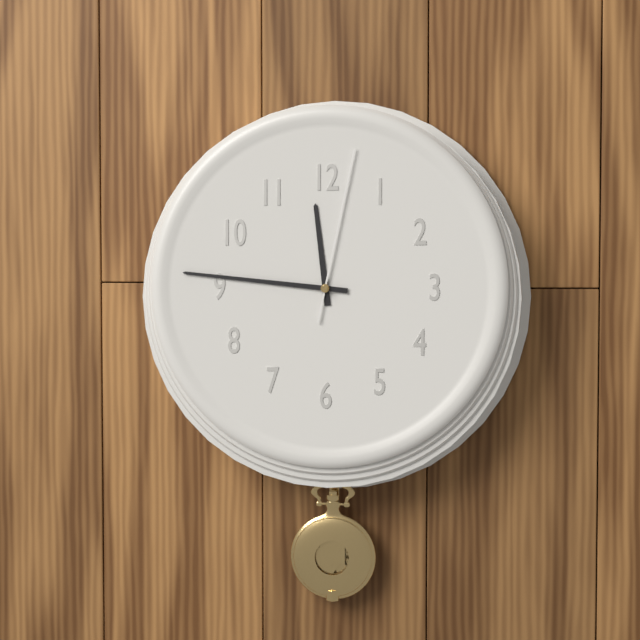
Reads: 11 h 46 min 02 s
